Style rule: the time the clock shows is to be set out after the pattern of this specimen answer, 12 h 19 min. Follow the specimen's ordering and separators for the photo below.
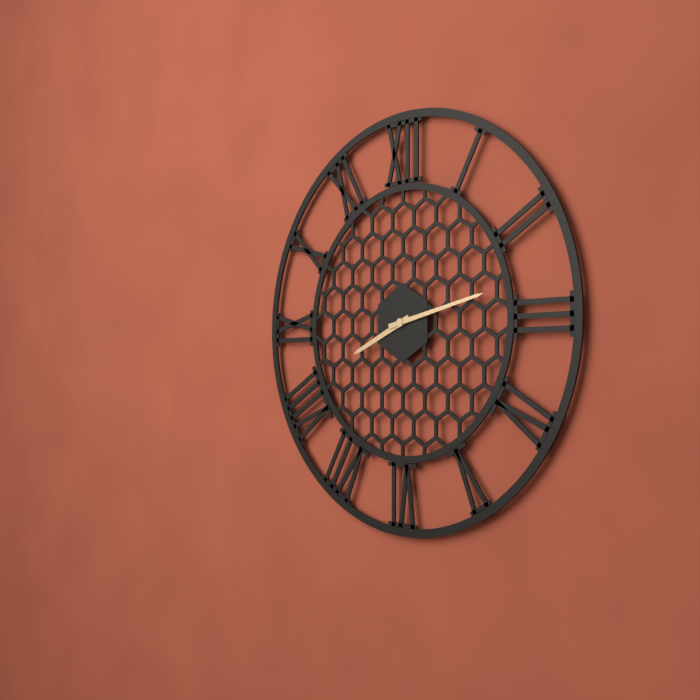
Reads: 8 h 13 min
